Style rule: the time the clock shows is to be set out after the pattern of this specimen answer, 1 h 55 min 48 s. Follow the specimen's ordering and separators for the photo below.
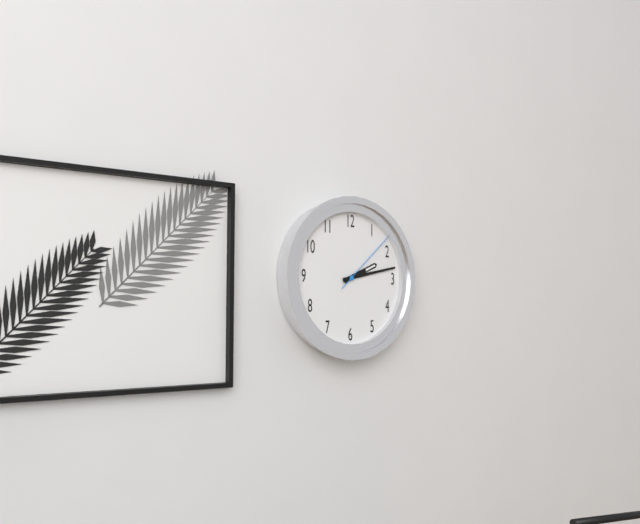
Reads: 2 h 13 min 08 s
